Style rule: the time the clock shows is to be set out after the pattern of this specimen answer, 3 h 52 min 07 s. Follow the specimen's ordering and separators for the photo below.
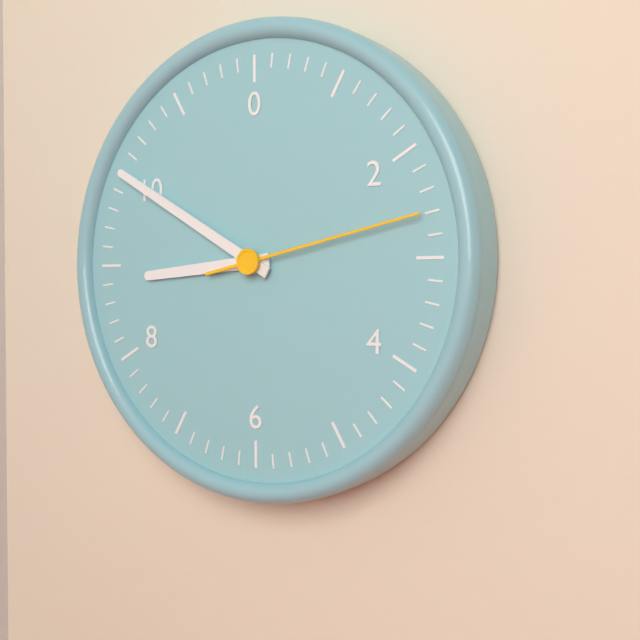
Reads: 8 h 50 min 13 s
